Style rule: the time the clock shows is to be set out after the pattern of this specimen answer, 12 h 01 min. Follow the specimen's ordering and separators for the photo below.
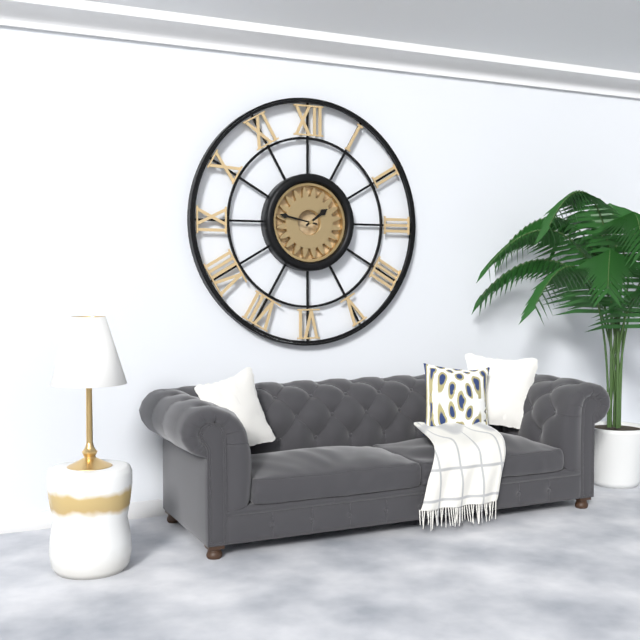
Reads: 1 h 47 min
